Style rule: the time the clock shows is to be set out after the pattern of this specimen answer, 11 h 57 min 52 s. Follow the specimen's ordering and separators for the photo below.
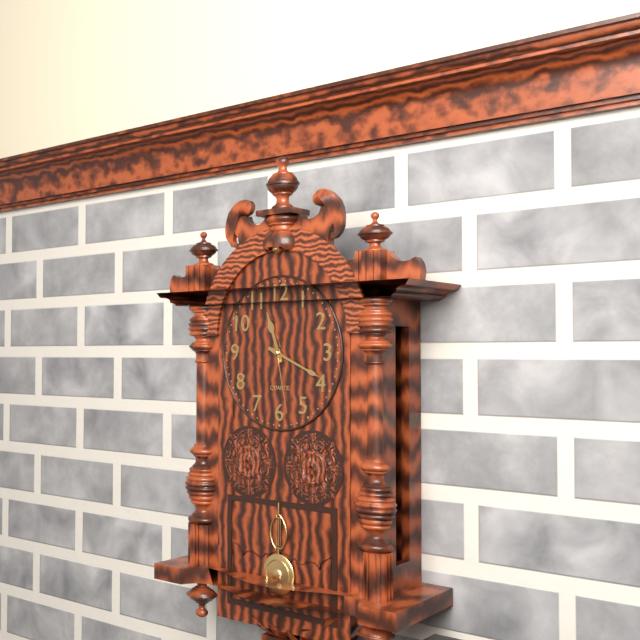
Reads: 11 h 19 min 28 s
